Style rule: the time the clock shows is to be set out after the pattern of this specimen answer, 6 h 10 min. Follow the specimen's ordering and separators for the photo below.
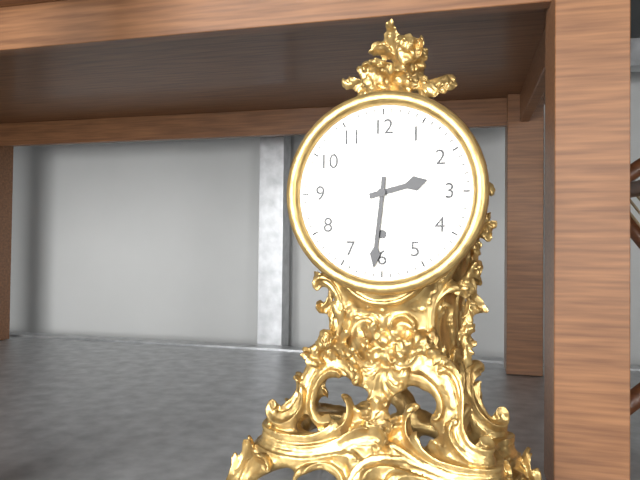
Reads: 2 h 31 min
